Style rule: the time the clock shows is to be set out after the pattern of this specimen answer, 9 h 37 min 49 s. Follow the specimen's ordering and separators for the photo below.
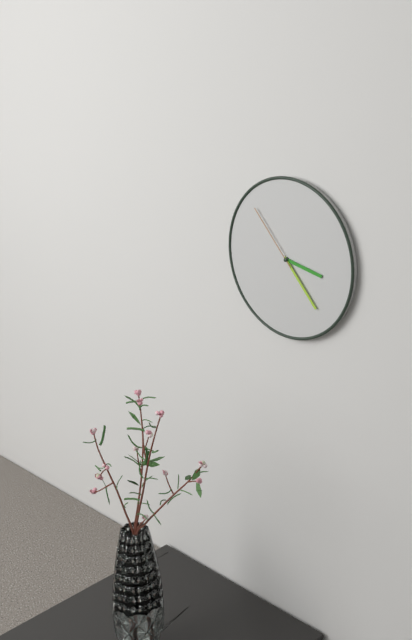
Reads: 3 h 23 min 53 s
